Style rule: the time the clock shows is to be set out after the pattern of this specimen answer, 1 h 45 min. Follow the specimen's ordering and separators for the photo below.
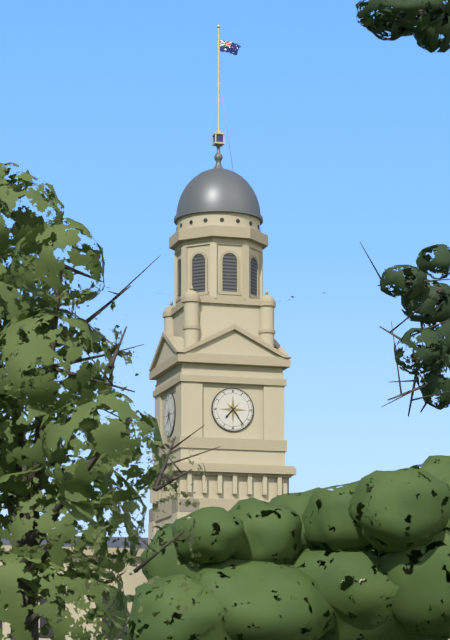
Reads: 7 h 24 min
